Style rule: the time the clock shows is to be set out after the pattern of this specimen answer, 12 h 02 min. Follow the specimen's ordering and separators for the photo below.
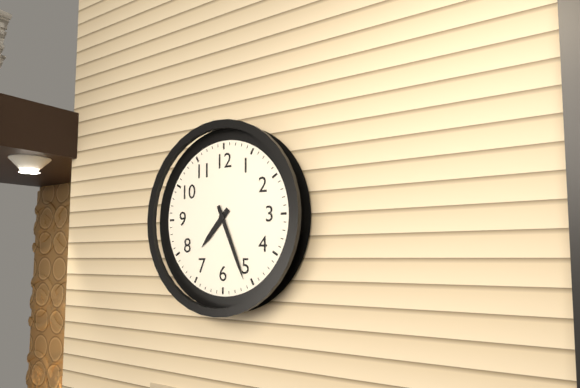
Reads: 7 h 26 min
